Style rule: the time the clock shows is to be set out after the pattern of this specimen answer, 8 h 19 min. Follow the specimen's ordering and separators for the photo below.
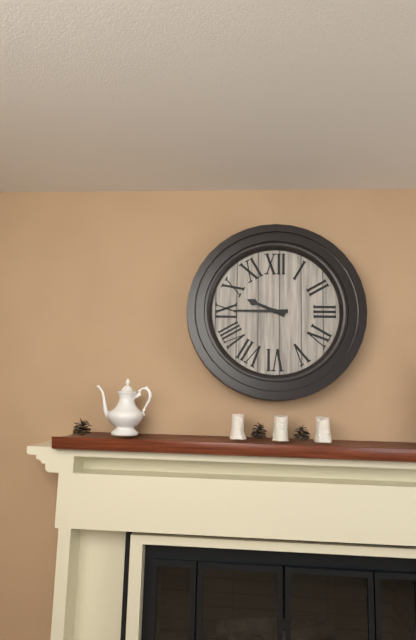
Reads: 9 h 45 min
